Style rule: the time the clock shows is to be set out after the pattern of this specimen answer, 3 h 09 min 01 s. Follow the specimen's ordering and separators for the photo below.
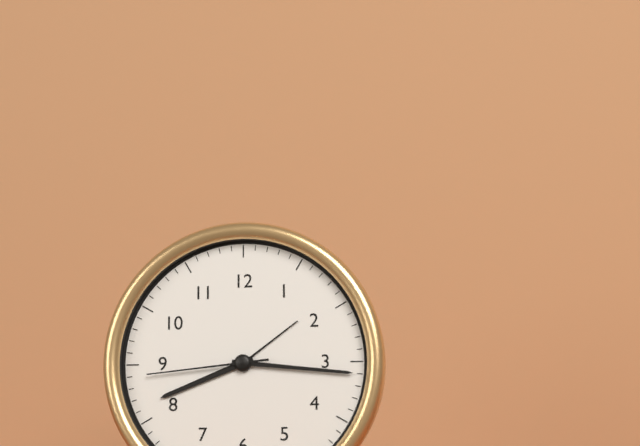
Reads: 8 h 16 min 44 s
